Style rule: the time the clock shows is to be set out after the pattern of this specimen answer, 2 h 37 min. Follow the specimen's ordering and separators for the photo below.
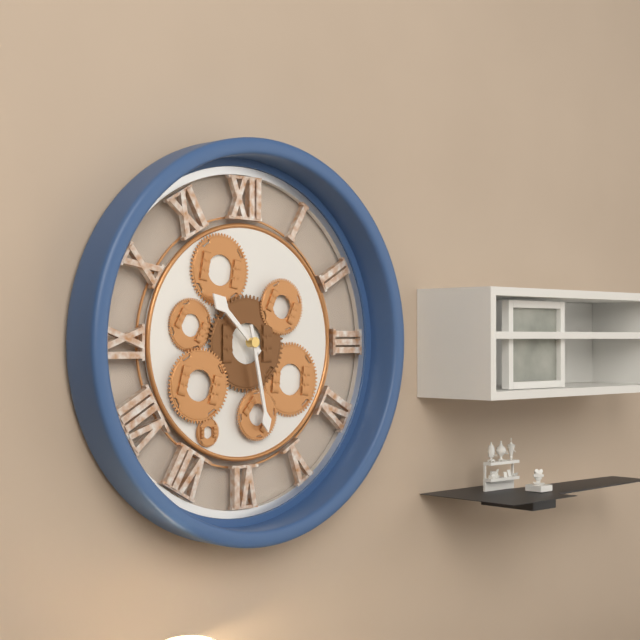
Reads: 10 h 28 min
